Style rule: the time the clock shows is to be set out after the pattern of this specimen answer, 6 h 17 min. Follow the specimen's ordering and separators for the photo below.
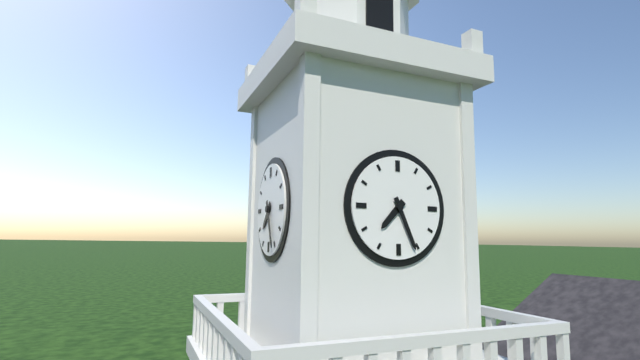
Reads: 7 h 26 min
